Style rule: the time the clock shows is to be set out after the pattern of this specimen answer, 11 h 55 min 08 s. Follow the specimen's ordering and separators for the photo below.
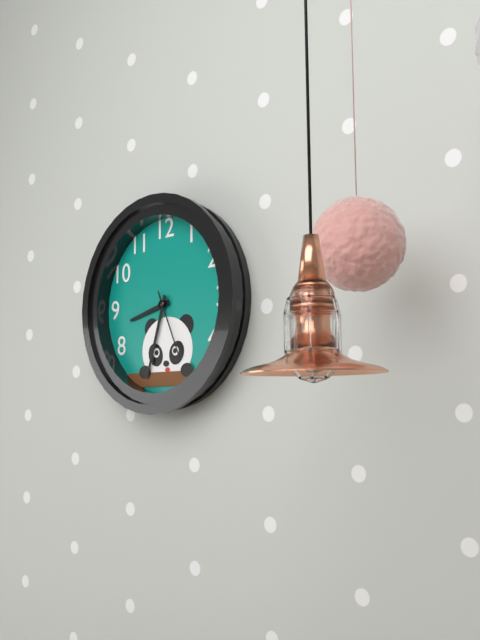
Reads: 8 h 33 min 26 s
